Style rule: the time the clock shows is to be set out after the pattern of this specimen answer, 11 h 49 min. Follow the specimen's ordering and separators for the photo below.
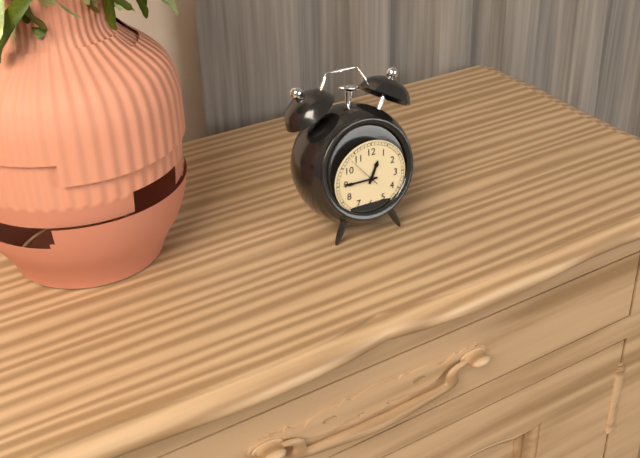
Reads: 12 h 45 min
